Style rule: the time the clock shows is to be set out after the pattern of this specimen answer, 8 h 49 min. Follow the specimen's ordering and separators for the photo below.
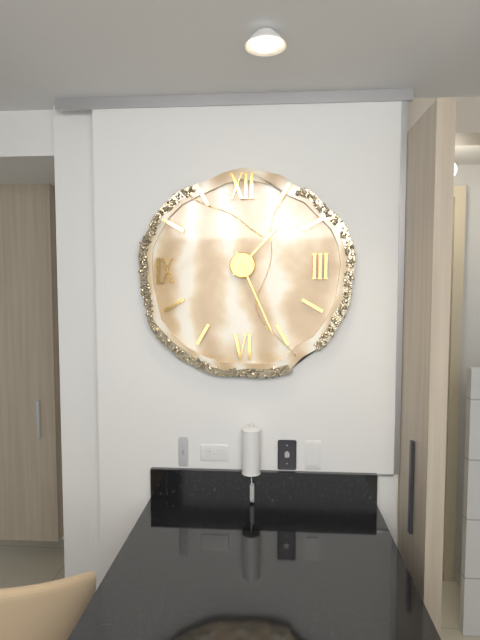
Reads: 1 h 26 min
